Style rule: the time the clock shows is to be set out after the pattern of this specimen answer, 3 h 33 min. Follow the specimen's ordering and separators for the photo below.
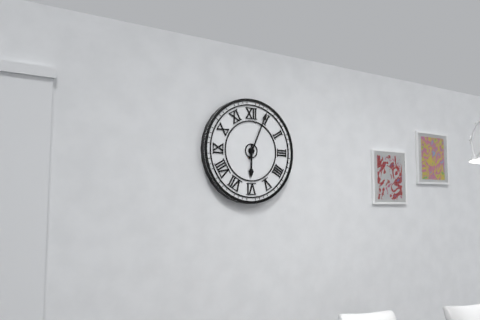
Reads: 6 h 04 min
